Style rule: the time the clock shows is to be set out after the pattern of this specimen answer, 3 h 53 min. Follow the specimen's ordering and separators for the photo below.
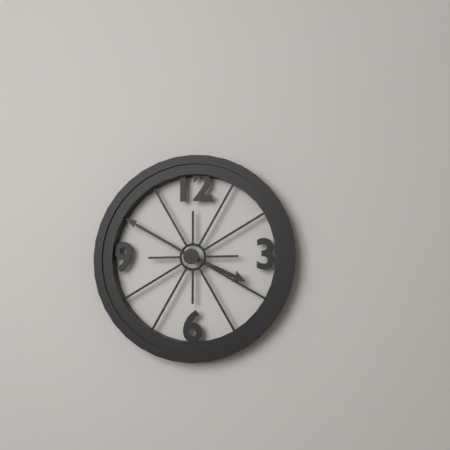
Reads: 3 h 50 min
